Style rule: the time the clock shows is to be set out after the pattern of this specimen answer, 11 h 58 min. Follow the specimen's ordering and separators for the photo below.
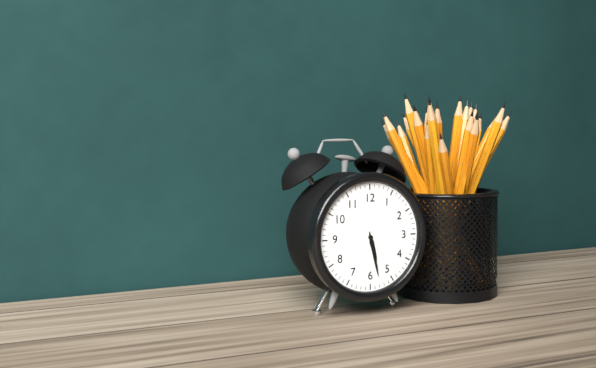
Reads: 5 h 28 min
